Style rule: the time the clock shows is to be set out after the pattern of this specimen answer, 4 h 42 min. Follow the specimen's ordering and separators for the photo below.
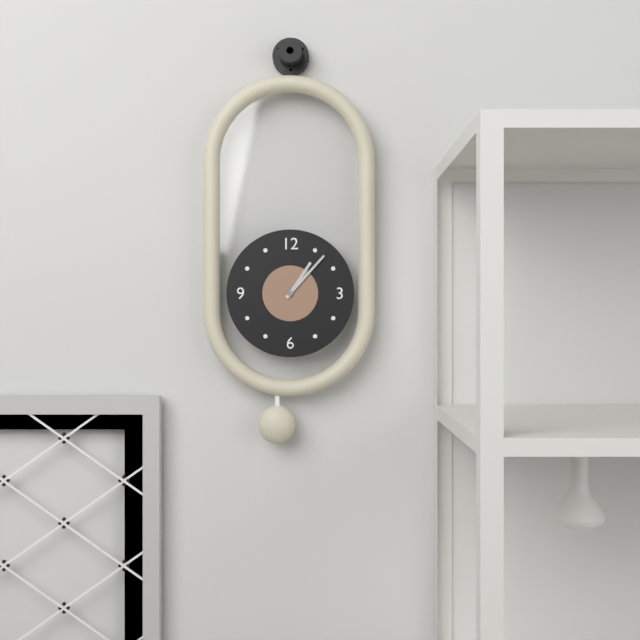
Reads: 1 h 07 min
